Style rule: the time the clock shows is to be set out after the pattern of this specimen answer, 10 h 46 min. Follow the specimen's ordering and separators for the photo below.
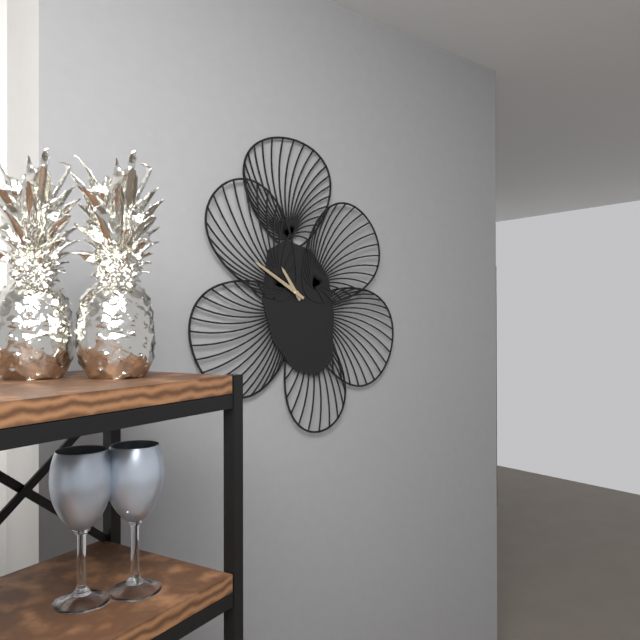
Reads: 10 h 50 min
